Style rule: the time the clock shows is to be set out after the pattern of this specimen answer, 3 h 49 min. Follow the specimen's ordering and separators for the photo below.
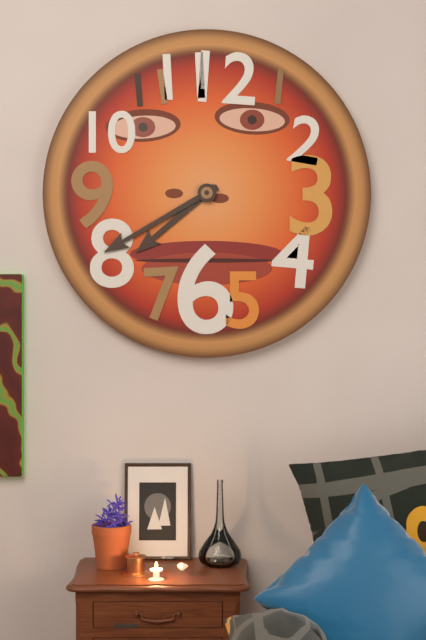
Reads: 7 h 40 min
